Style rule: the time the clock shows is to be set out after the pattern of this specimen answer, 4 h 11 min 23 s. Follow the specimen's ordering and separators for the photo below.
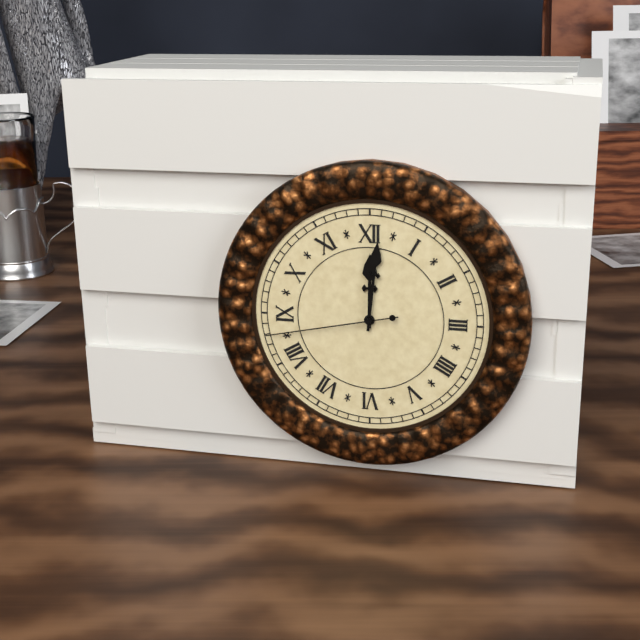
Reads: 12 h 01 min 43 s
